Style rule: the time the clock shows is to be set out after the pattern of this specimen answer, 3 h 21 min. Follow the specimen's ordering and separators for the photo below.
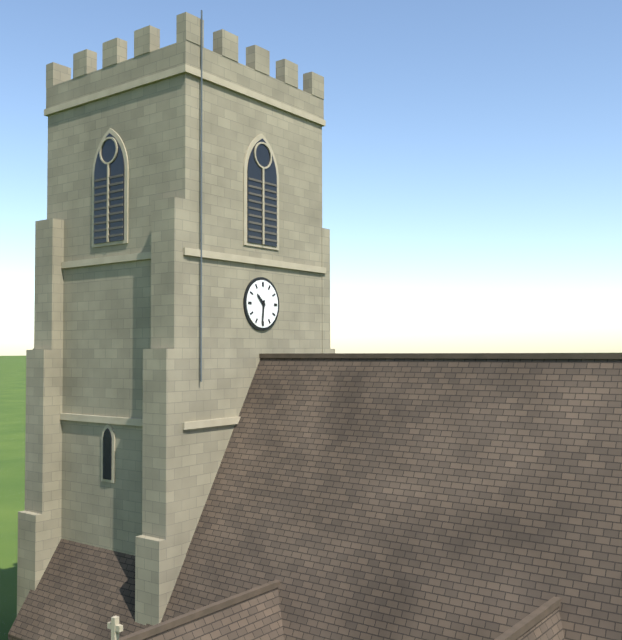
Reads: 10 h 31 min
